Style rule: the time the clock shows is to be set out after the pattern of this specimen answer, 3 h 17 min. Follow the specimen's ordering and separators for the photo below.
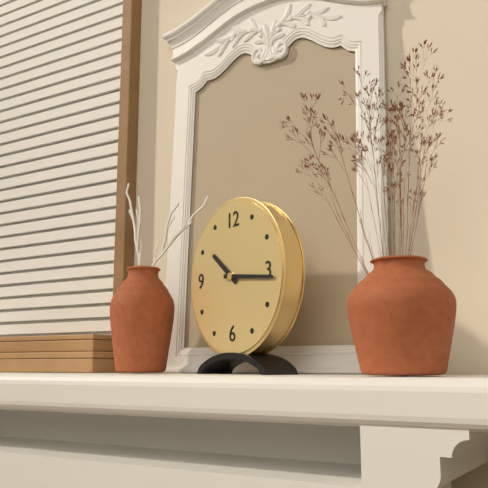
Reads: 10 h 16 min
